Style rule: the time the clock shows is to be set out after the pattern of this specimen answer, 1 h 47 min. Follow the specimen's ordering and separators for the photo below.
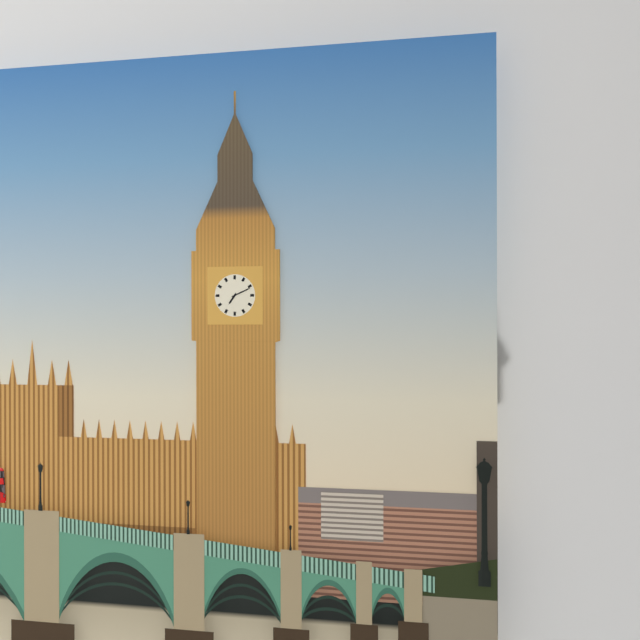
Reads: 7 h 11 min
